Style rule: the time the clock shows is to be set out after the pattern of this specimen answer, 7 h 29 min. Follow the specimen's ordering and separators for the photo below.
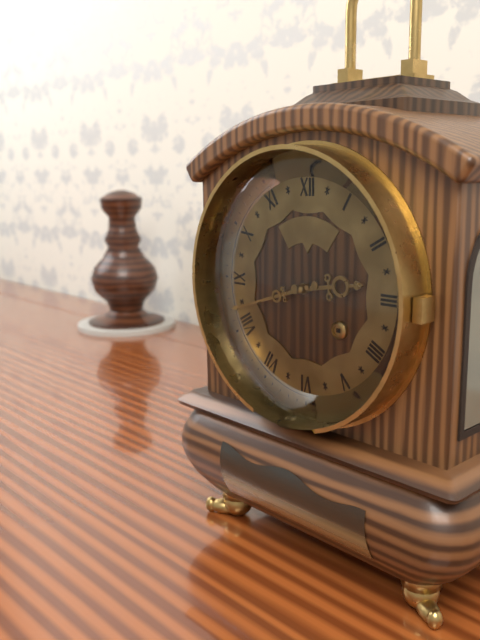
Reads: 2 h 42 min
